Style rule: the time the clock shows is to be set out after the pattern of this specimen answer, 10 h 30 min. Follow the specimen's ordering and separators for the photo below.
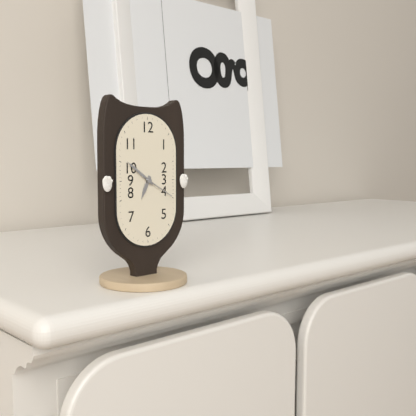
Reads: 6 h 51 min
